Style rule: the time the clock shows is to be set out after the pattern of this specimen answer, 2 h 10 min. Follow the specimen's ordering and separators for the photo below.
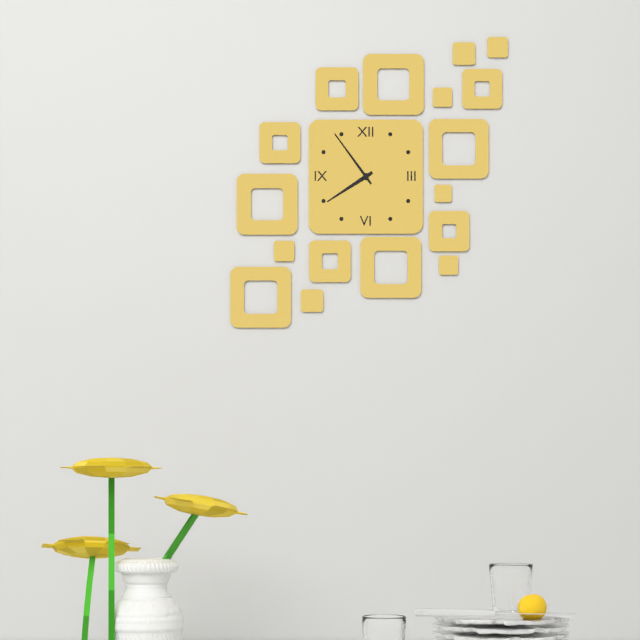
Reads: 7 h 54 min
